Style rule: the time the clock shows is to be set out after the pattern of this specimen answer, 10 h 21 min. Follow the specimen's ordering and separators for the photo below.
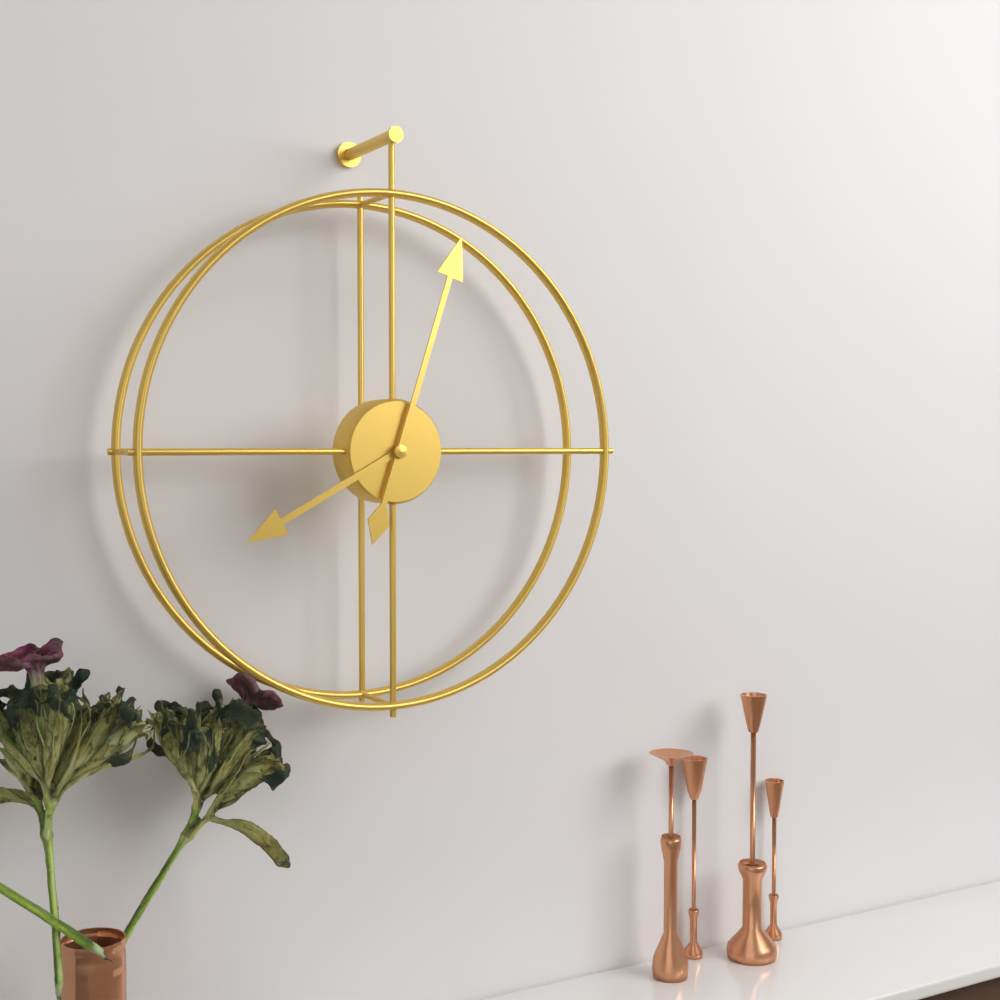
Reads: 8 h 03 min
